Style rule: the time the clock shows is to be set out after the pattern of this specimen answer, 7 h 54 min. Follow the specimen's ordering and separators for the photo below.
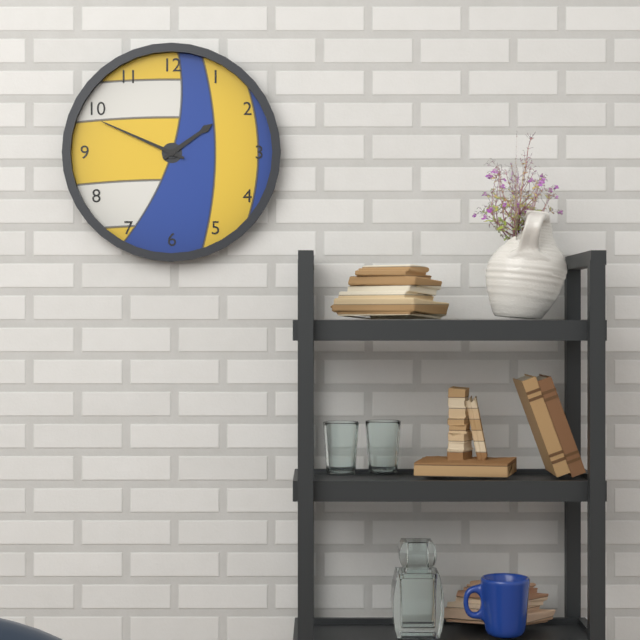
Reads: 1 h 49 min
